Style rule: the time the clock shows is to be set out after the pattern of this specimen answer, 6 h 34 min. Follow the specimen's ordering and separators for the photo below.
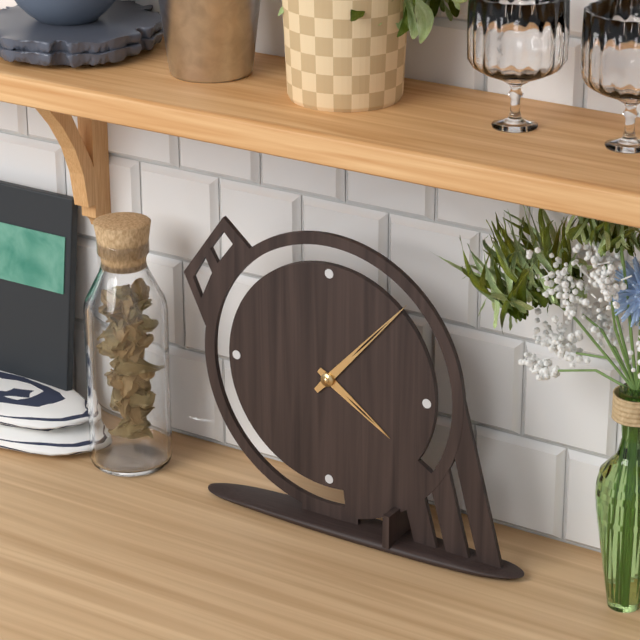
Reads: 4 h 07 min
